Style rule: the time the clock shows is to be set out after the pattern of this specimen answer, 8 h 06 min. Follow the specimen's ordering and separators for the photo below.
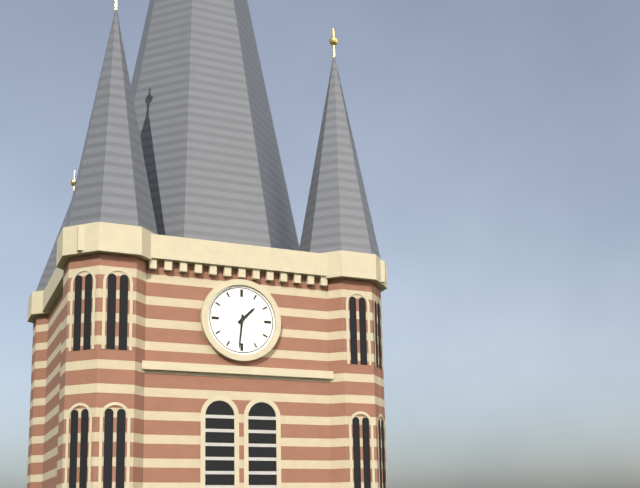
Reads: 1 h 31 min
